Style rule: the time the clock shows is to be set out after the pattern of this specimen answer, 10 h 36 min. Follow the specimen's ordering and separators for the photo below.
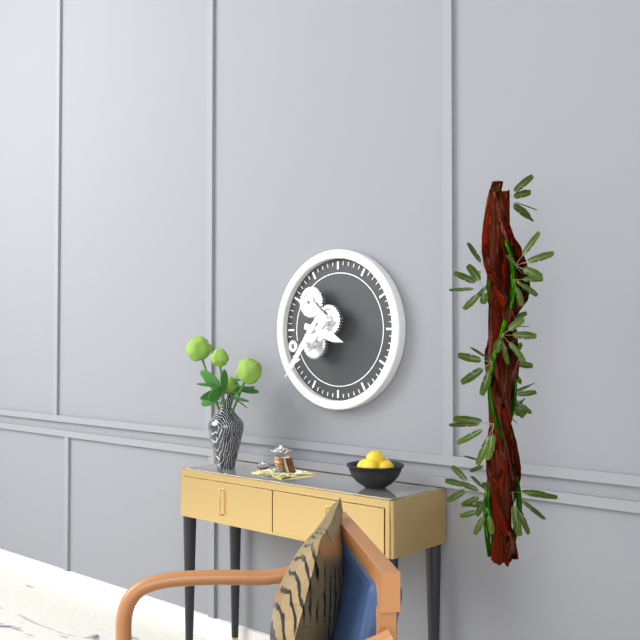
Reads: 3 h 36 min
